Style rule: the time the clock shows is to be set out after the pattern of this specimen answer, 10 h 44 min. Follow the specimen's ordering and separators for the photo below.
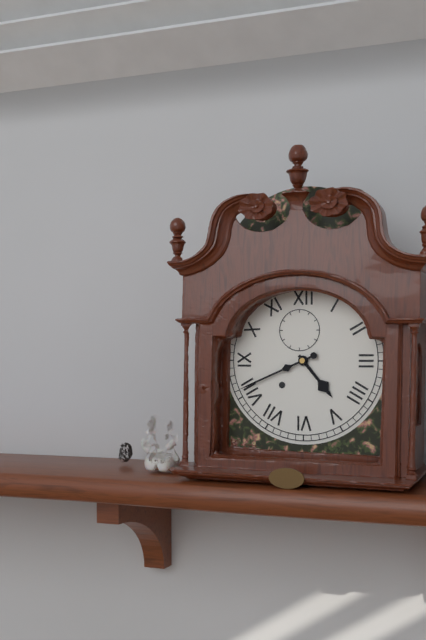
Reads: 4 h 41 min
